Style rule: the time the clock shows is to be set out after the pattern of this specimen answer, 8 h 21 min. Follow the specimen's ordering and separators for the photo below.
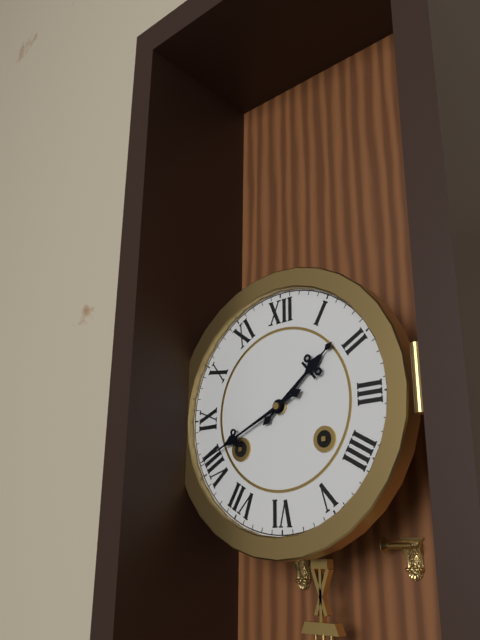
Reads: 1 h 41 min
